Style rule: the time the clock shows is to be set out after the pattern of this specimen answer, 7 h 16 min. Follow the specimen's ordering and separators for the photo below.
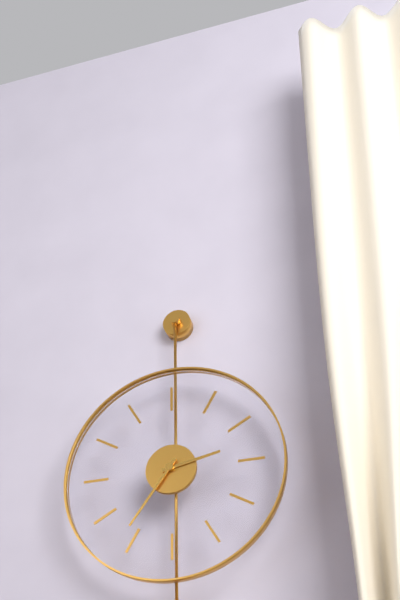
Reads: 2 h 36 min
